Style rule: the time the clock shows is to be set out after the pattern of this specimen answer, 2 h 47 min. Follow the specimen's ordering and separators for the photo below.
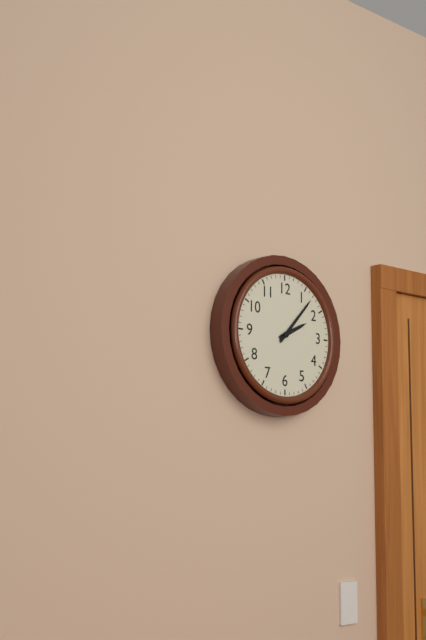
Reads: 2 h 07 min
